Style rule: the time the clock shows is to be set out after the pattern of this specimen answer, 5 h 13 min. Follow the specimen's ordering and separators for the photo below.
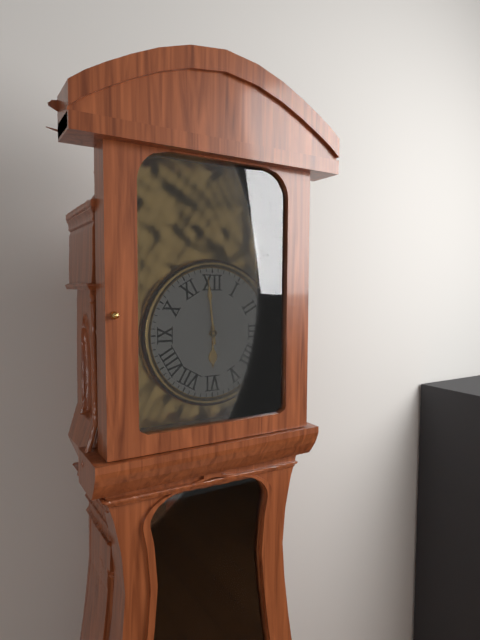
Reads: 5 h 59 min
